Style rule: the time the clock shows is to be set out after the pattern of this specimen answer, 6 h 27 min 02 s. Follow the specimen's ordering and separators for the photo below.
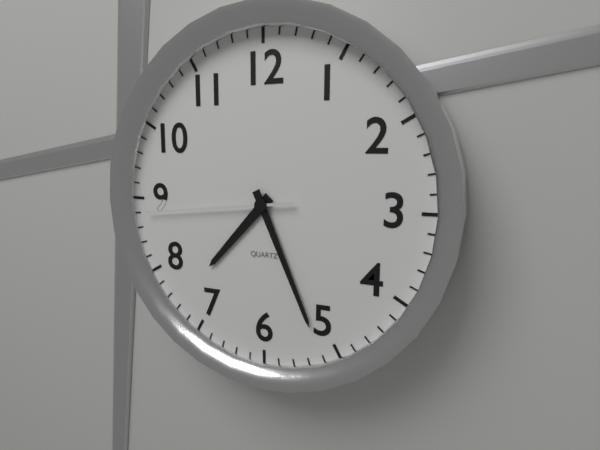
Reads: 7 h 26 min 44 s
